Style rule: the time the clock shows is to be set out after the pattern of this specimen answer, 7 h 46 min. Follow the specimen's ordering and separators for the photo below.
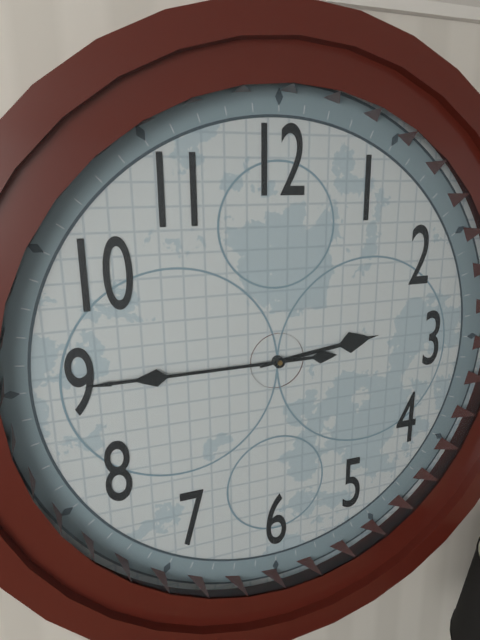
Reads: 2 h 45 min
